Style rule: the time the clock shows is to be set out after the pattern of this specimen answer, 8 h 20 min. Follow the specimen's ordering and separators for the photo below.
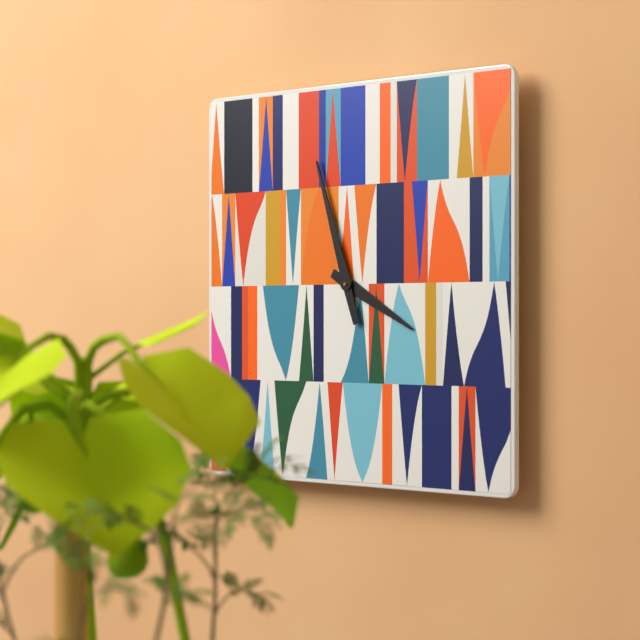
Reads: 3 h 57 min
